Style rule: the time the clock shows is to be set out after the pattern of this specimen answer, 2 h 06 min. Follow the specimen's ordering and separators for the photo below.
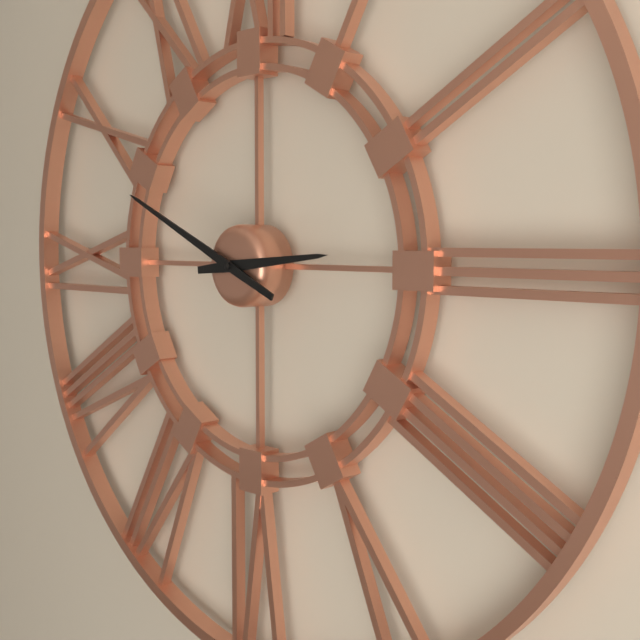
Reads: 2 h 49 min
